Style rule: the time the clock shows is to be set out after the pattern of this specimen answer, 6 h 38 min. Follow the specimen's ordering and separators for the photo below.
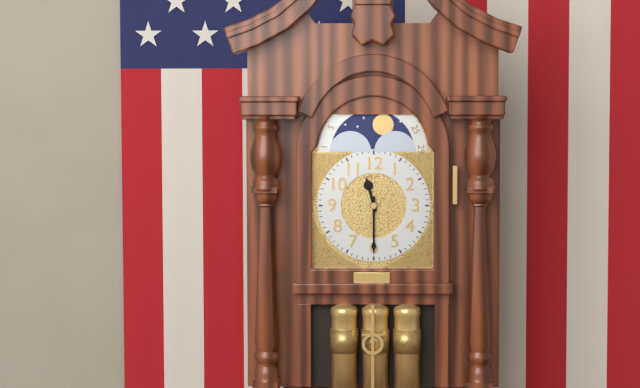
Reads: 11 h 30 min
